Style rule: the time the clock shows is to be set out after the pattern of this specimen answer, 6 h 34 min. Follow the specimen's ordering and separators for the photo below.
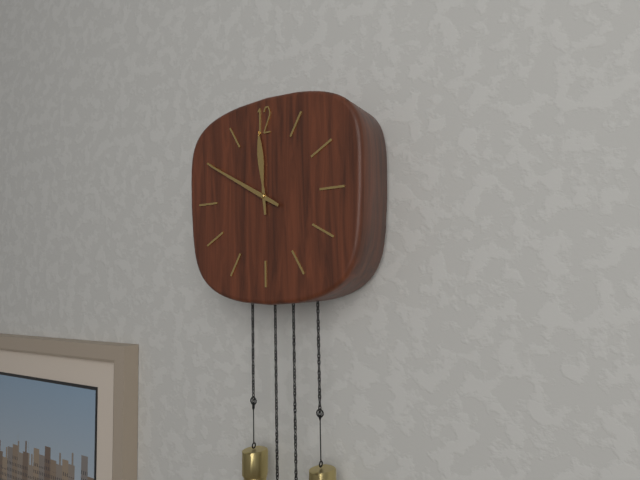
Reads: 11 h 50 min
